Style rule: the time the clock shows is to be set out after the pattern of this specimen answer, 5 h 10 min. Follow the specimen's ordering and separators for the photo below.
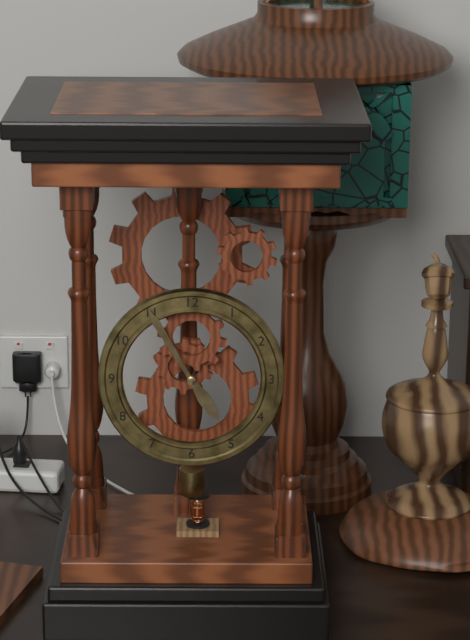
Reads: 4 h 55 min
